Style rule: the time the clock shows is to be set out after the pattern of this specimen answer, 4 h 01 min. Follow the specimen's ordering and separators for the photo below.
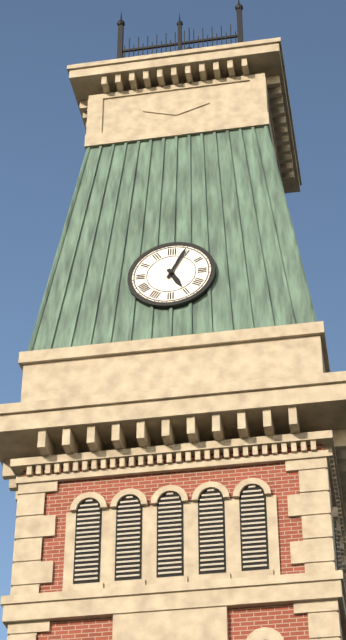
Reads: 5 h 04 min
